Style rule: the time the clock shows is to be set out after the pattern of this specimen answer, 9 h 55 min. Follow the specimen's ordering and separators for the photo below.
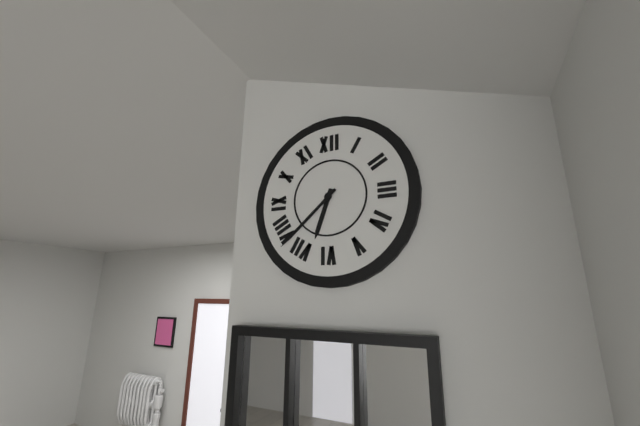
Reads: 6 h 38 min
